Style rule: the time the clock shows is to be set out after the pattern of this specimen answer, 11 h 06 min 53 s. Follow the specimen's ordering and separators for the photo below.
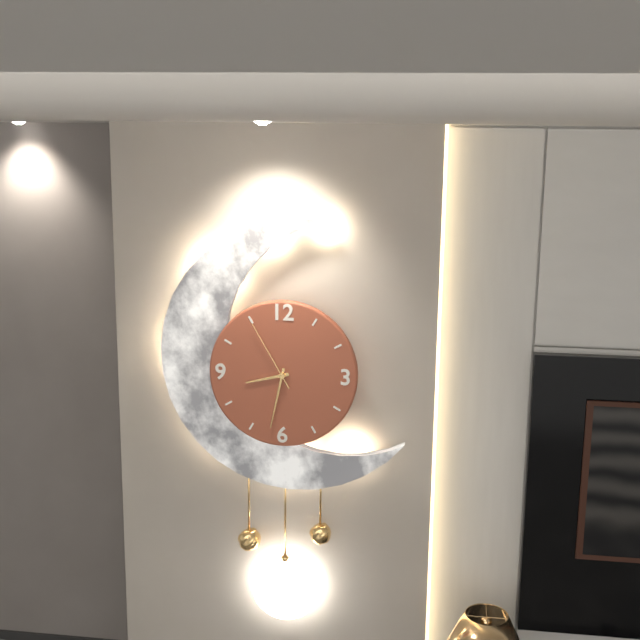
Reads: 8 h 32 min 55 s
